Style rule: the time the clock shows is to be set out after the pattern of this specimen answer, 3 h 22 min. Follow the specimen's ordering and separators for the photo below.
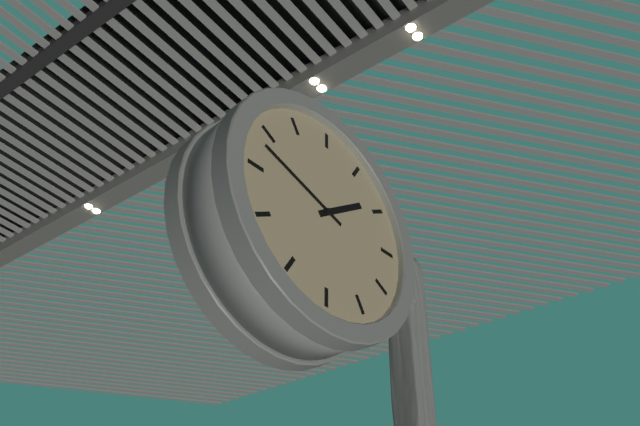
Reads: 1 h 48 min
